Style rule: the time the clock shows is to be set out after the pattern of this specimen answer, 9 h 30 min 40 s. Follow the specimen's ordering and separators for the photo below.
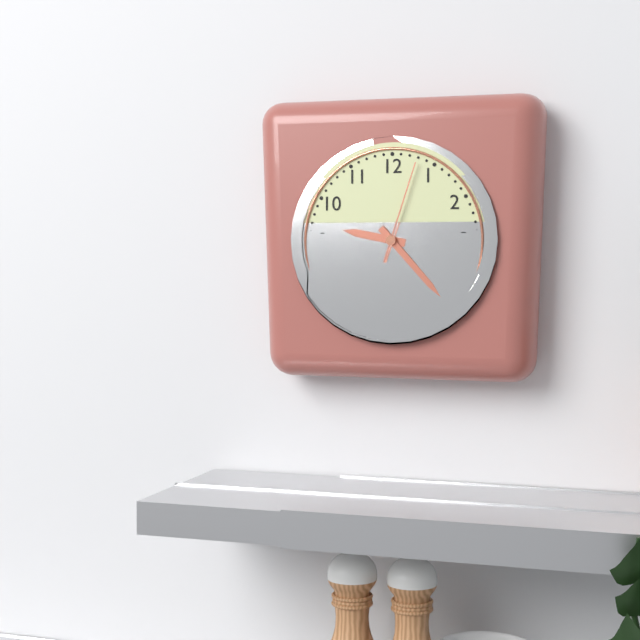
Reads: 9 h 23 min 03 s
